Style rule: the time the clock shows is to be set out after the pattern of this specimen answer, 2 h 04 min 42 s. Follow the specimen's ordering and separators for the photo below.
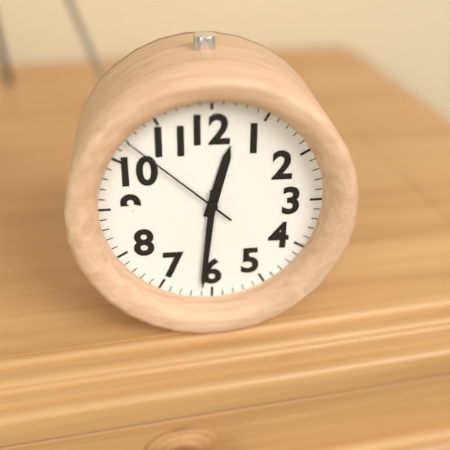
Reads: 12 h 31 min 52 s
